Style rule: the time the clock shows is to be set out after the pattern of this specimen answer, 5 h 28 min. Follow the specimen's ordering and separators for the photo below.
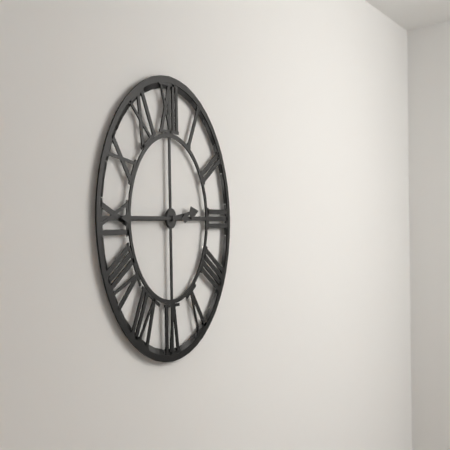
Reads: 2 h 45 min
